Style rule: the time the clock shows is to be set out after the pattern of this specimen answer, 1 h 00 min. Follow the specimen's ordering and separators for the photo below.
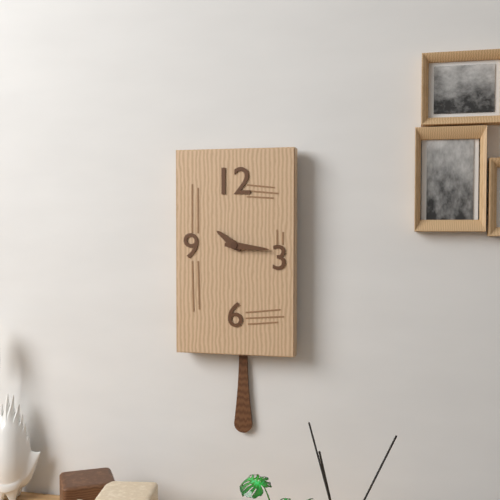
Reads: 10 h 16 min
